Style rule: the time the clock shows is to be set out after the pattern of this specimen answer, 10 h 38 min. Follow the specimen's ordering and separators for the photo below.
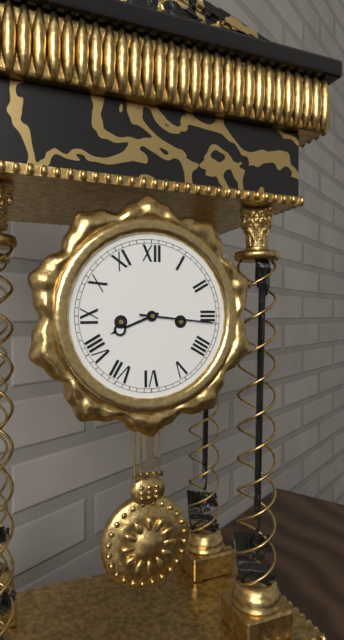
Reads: 8 h 16 min
